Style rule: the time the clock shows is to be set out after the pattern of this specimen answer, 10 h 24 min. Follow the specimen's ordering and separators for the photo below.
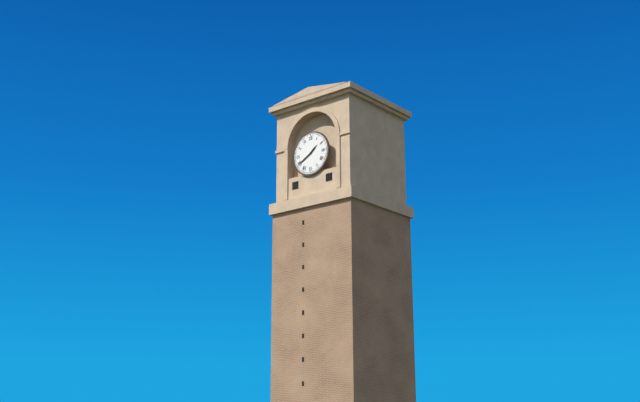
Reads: 1 h 40 min
